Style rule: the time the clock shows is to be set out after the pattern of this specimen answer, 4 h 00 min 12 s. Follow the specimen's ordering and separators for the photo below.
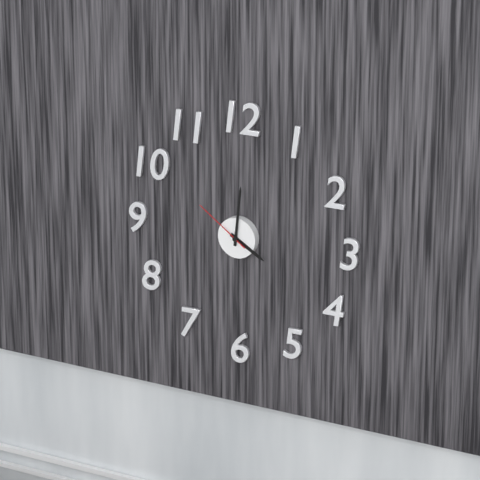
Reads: 4 h 01 min 51 s
